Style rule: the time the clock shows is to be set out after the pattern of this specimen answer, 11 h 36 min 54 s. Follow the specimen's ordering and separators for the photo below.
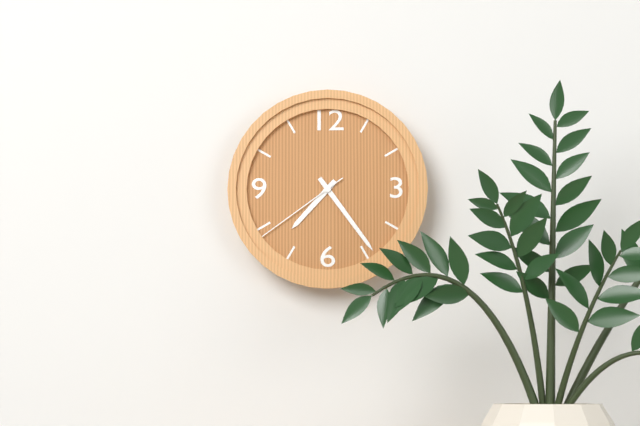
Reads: 7 h 24 min 39 s
